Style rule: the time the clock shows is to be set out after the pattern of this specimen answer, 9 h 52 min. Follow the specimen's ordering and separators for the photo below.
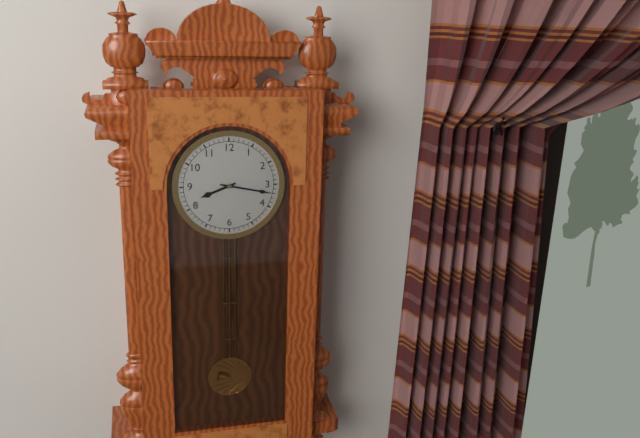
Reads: 8 h 17 min
